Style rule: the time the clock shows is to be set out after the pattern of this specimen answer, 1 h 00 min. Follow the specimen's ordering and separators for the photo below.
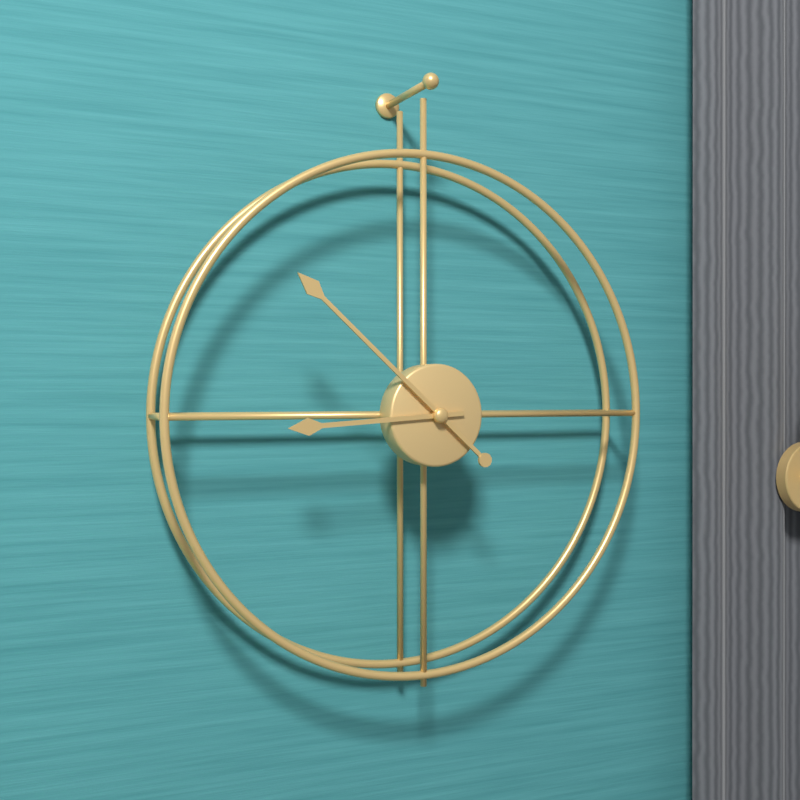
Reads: 8 h 52 min
